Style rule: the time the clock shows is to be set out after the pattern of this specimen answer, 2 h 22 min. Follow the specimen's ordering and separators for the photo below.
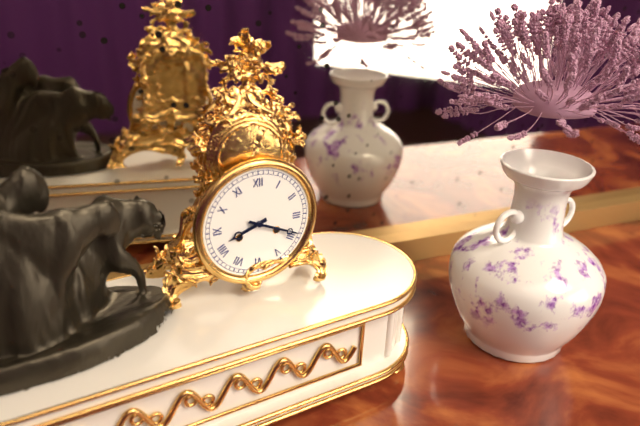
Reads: 8 h 19 min
